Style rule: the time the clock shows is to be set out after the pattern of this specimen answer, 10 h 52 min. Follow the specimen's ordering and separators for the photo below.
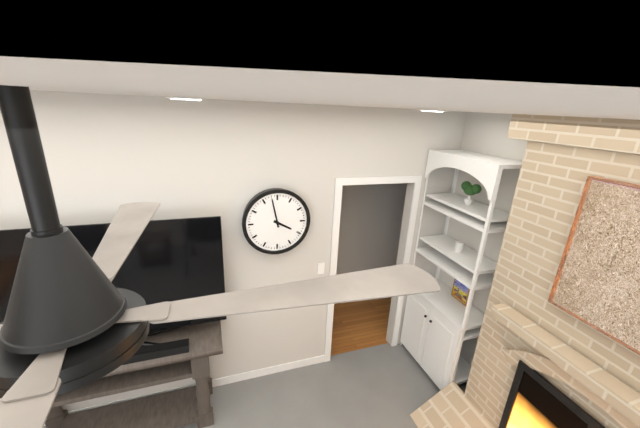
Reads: 3 h 58 min
